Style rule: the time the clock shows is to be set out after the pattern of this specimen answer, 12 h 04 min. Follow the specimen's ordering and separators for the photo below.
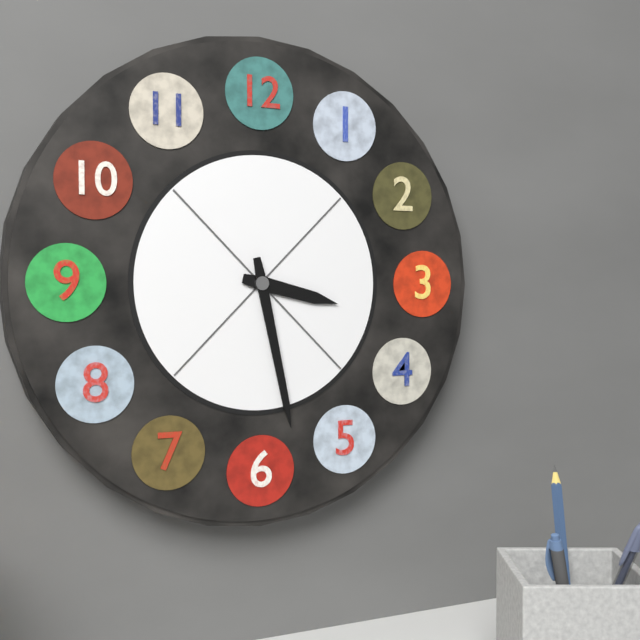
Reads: 3 h 28 min
